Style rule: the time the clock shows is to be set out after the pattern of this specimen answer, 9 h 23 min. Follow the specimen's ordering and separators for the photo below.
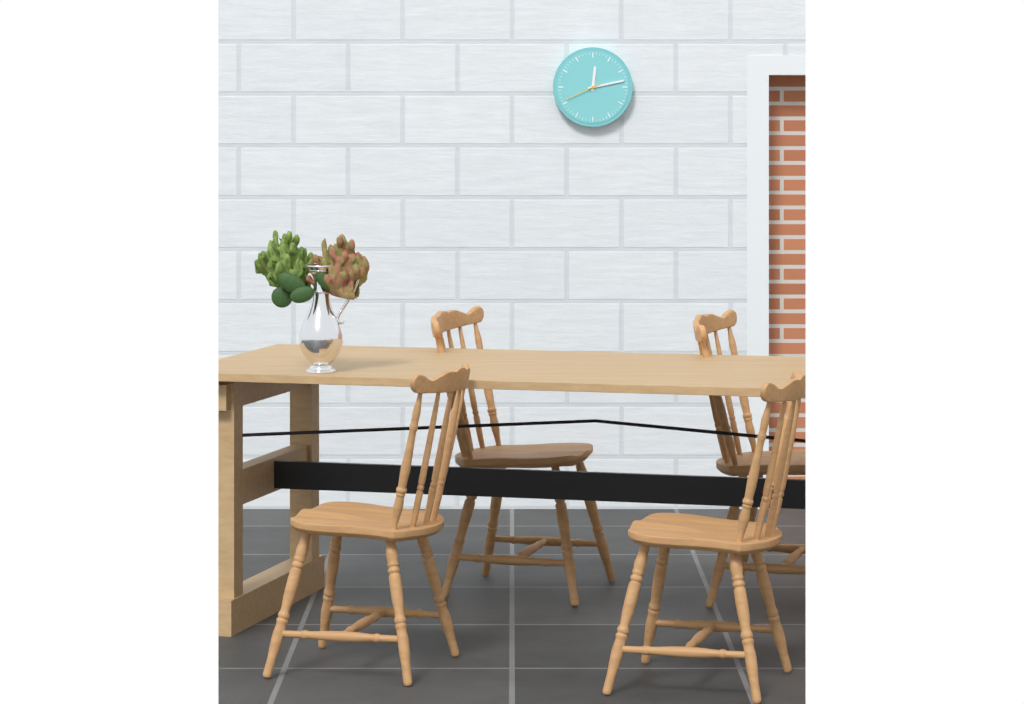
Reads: 12 h 13 min
